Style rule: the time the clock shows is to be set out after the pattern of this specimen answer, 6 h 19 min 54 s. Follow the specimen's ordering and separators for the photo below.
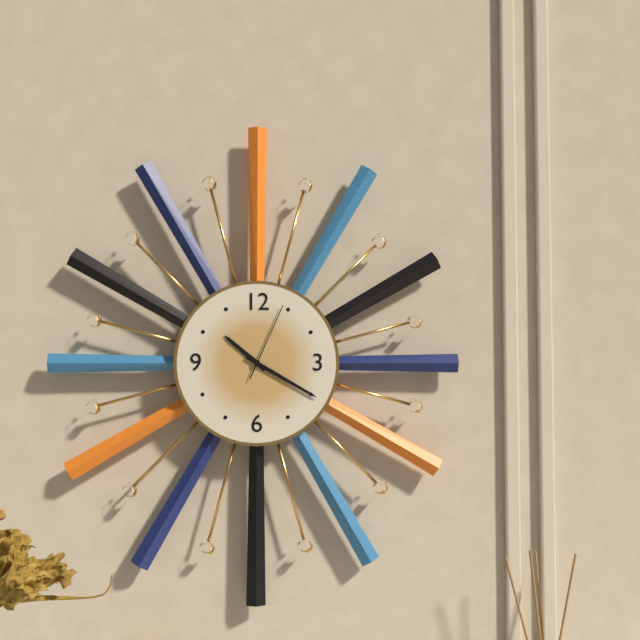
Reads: 10 h 20 min 04 s
